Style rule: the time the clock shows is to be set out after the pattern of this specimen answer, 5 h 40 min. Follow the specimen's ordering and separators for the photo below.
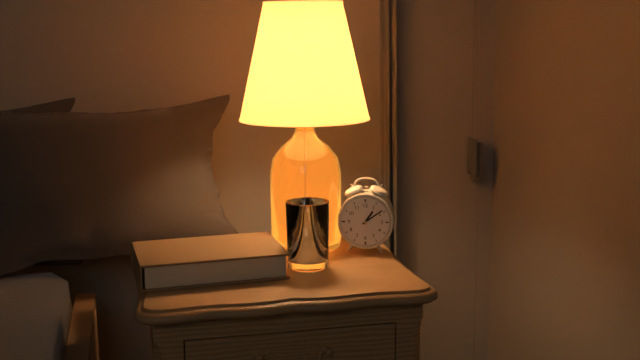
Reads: 1 h 09 min
